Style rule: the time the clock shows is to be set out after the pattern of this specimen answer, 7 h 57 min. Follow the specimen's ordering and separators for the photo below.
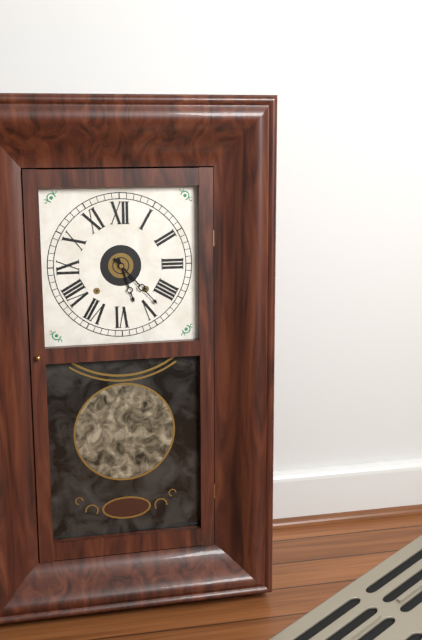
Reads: 5 h 23 min
